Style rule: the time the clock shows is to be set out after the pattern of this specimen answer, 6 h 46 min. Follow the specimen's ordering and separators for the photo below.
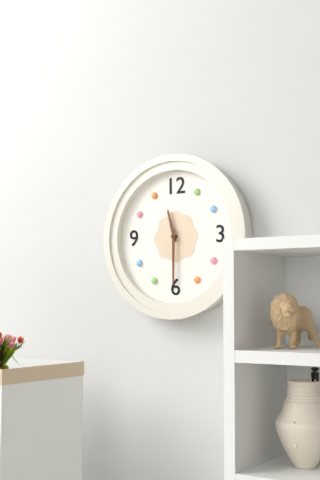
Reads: 11 h 30 min
